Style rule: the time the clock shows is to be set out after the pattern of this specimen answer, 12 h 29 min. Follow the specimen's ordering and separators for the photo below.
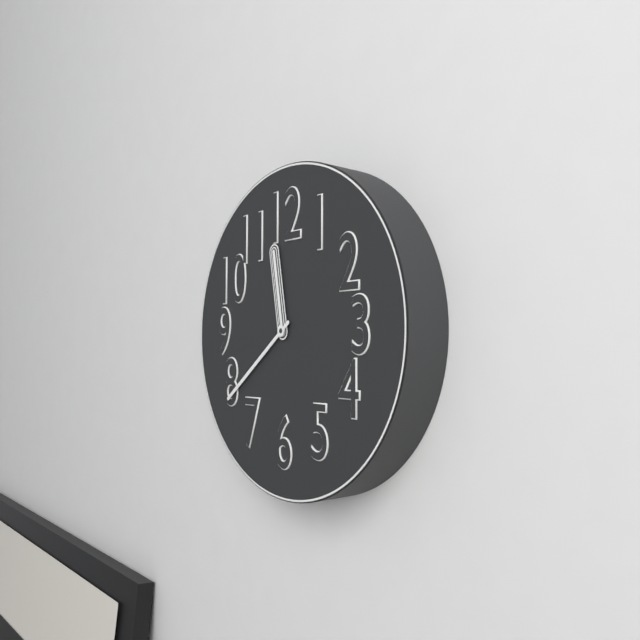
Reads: 11 h 39 min
